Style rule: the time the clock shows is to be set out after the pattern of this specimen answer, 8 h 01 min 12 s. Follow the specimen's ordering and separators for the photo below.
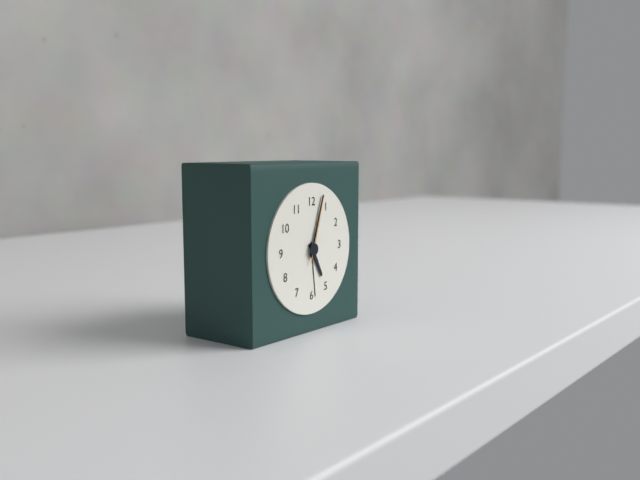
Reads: 5 h 03 min 03 s
